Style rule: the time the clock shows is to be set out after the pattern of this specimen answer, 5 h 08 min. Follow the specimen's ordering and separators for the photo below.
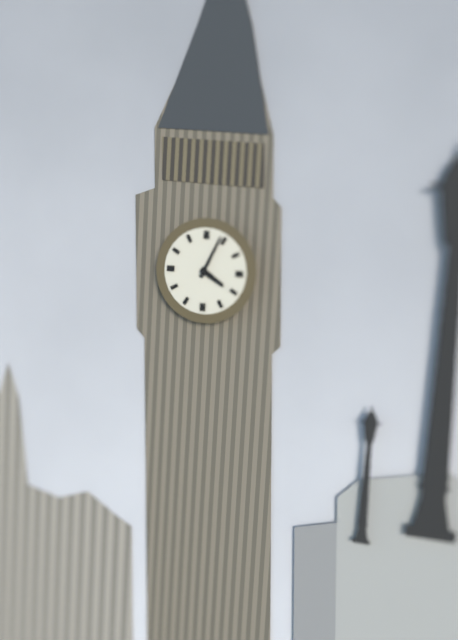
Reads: 4 h 04 min
